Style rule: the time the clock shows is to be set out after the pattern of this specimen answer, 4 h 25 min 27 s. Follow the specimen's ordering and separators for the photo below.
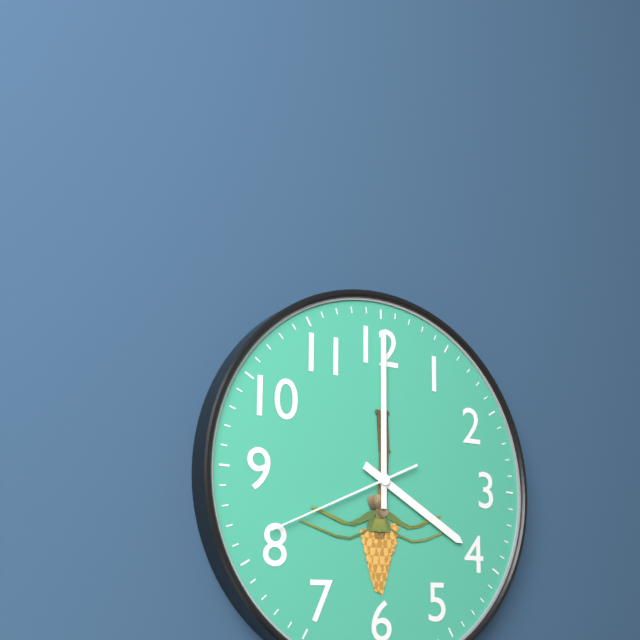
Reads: 4 h 00 min 41 s
